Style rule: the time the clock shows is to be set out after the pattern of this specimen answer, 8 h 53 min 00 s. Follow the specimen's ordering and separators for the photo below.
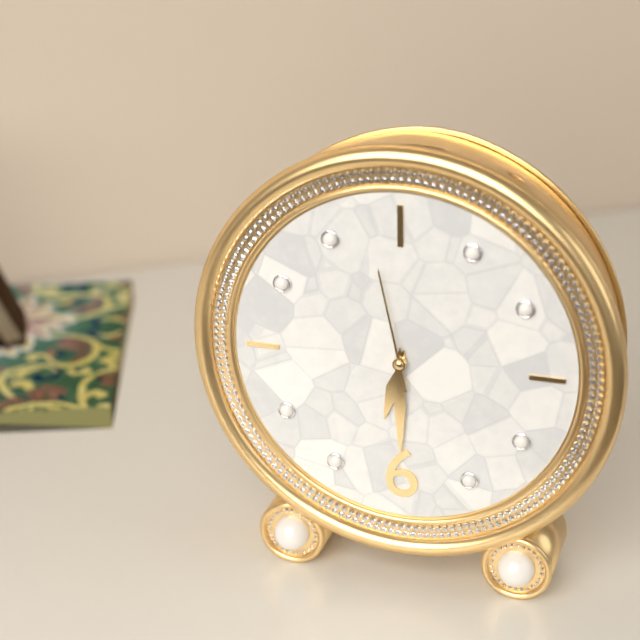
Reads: 6 h 30 min 58 s
